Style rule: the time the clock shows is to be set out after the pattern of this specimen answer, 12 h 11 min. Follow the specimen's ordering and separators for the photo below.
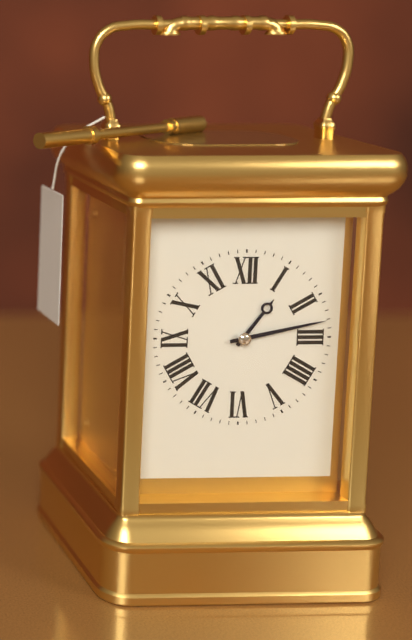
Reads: 1 h 13 min
